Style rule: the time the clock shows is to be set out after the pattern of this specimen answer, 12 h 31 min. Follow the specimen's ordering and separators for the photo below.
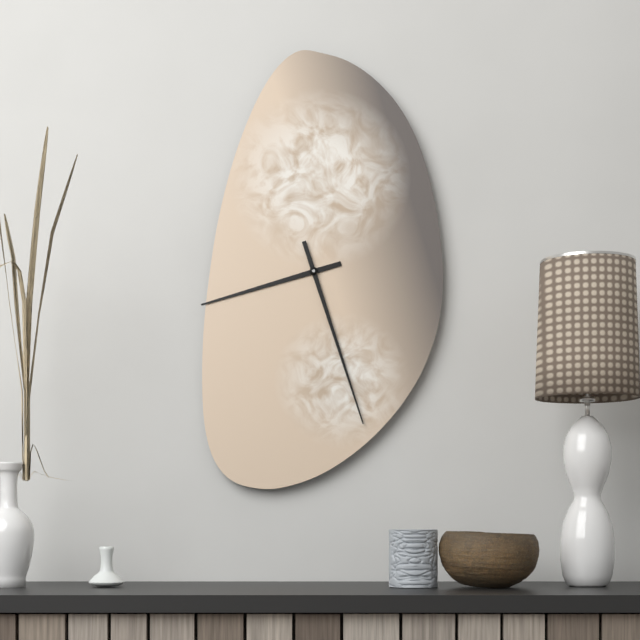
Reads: 8 h 27 min
